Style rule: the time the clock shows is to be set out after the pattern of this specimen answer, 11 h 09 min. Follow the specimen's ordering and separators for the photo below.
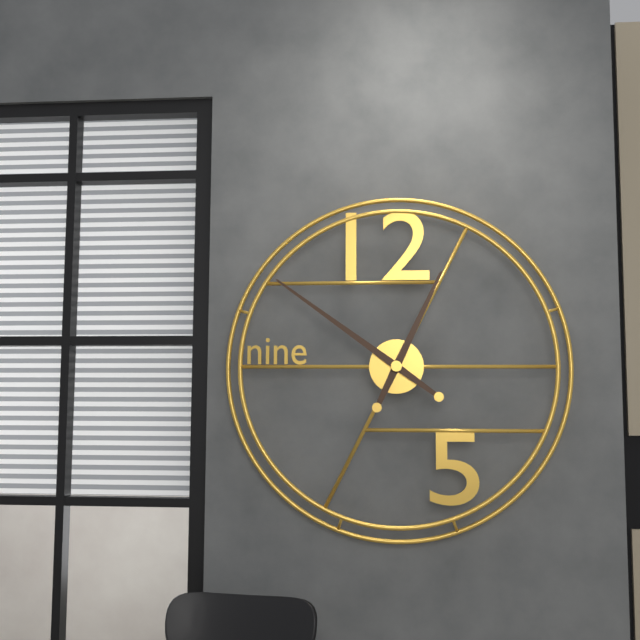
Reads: 12 h 51 min
